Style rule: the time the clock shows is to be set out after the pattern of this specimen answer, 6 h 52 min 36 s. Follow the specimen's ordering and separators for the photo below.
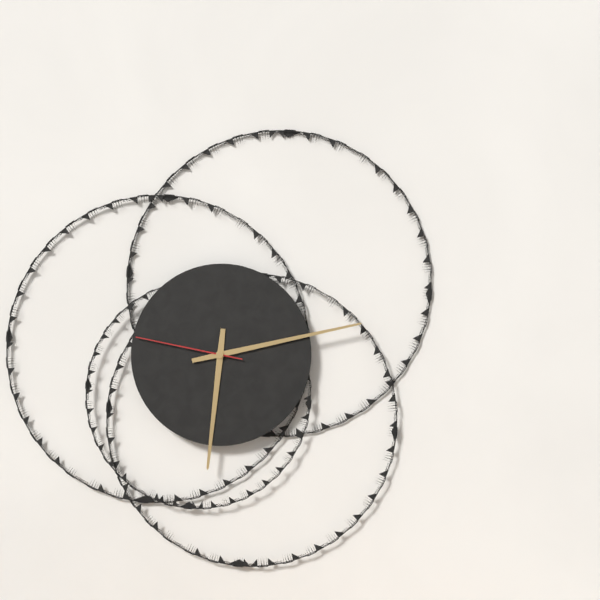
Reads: 6 h 13 min 47 s
